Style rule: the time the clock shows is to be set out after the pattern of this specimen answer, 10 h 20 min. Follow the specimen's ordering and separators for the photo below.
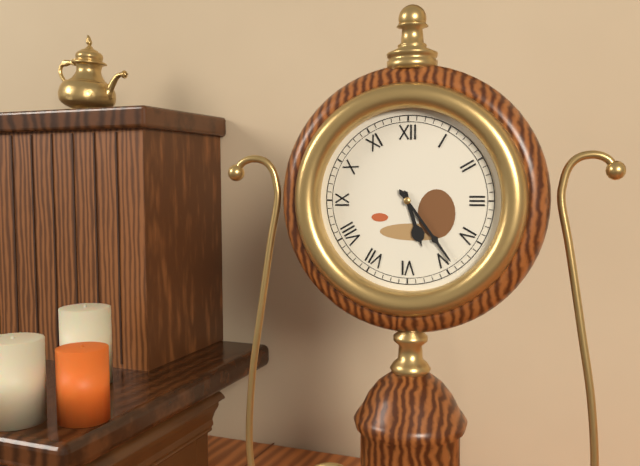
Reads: 5 h 24 min
